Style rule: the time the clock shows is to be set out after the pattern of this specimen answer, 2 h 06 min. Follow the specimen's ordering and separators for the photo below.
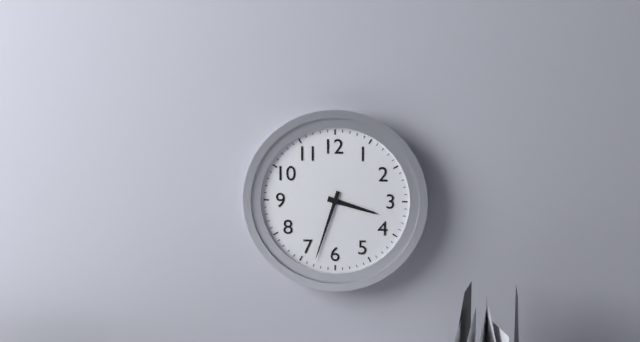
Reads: 3 h 33 min
